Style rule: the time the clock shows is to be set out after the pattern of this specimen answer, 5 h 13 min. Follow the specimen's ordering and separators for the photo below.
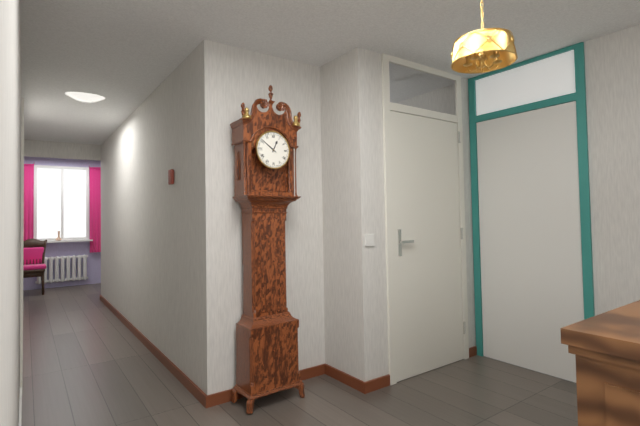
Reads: 12 h 51 min
